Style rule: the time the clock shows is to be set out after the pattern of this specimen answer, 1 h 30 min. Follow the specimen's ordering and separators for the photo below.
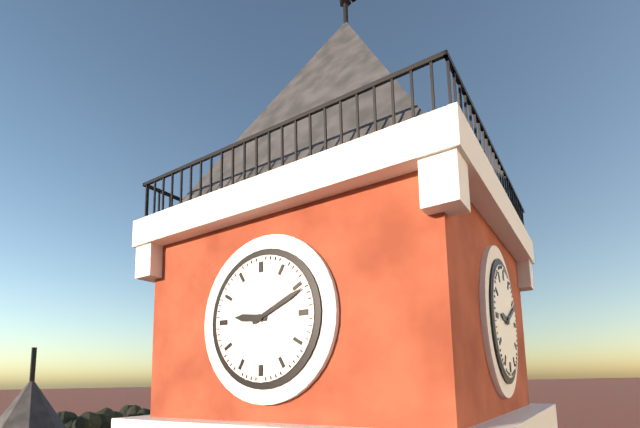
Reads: 9 h 11 min
